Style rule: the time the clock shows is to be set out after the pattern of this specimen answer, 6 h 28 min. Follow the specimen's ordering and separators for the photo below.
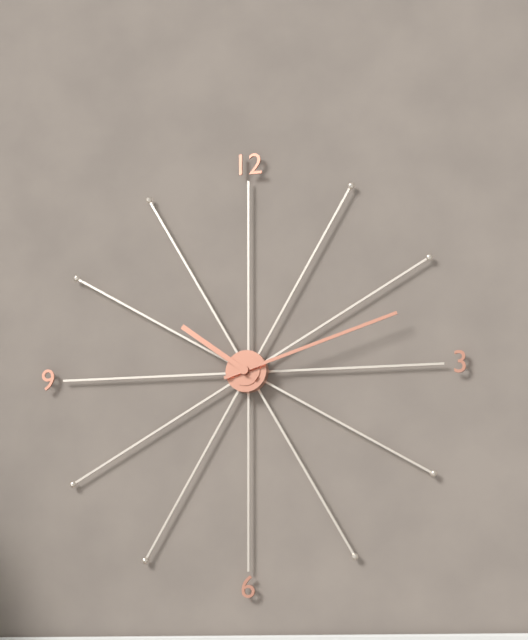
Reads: 10 h 12 min
